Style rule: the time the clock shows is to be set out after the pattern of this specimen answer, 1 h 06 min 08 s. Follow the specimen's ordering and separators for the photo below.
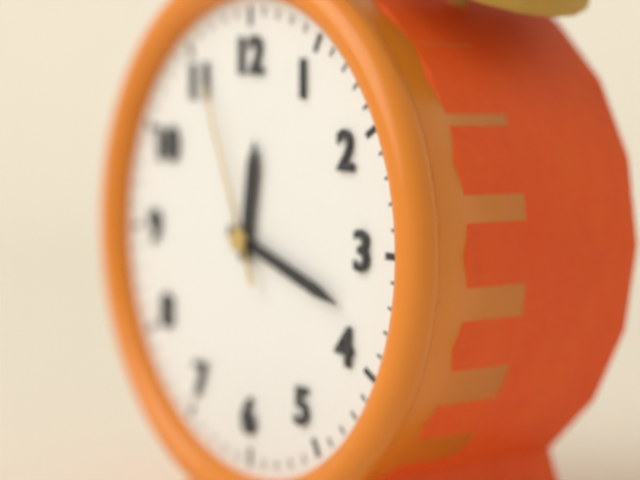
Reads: 12 h 18 min 56 s
